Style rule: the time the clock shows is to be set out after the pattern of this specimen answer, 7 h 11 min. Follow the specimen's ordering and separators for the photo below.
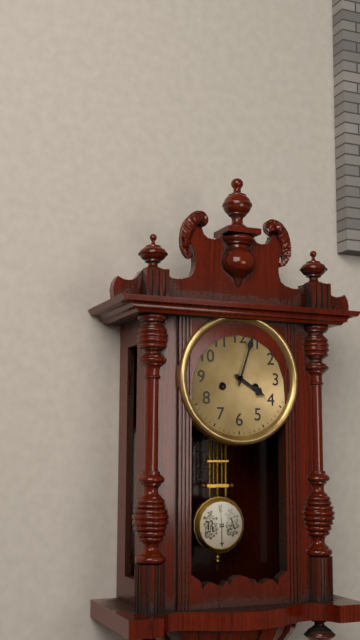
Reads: 4 h 03 min
